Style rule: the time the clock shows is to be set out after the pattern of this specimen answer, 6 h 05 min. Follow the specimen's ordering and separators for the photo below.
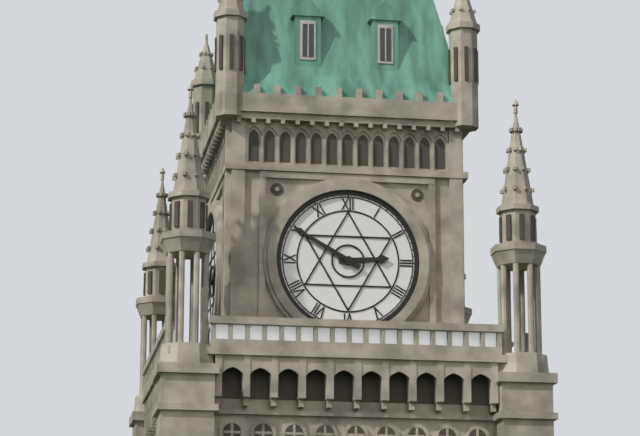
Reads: 2 h 50 min
